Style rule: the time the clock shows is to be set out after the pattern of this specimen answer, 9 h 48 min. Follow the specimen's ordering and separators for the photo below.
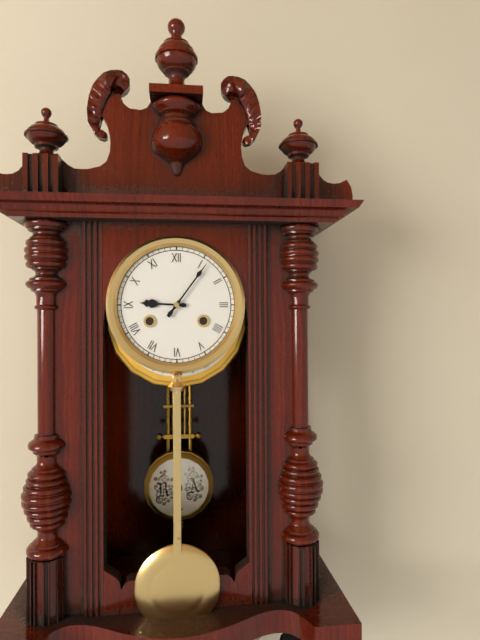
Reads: 9 h 06 min
